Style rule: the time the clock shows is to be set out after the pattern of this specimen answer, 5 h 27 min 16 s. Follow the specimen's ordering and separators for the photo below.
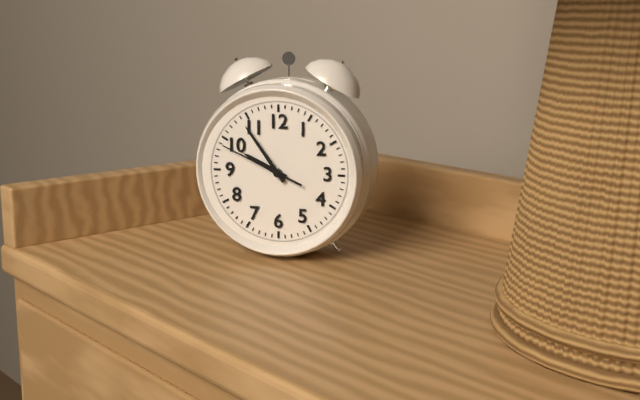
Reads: 9 h 54 min 49 s
